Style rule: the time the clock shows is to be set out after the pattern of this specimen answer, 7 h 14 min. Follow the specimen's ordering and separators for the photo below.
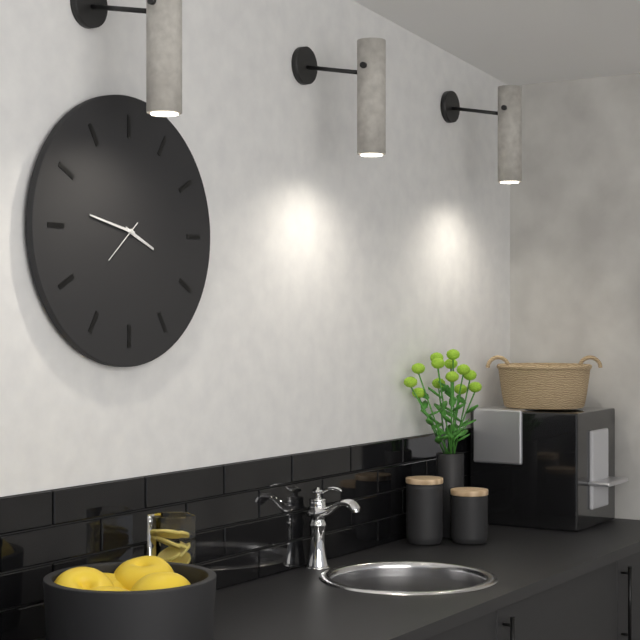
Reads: 3 h 47 min
